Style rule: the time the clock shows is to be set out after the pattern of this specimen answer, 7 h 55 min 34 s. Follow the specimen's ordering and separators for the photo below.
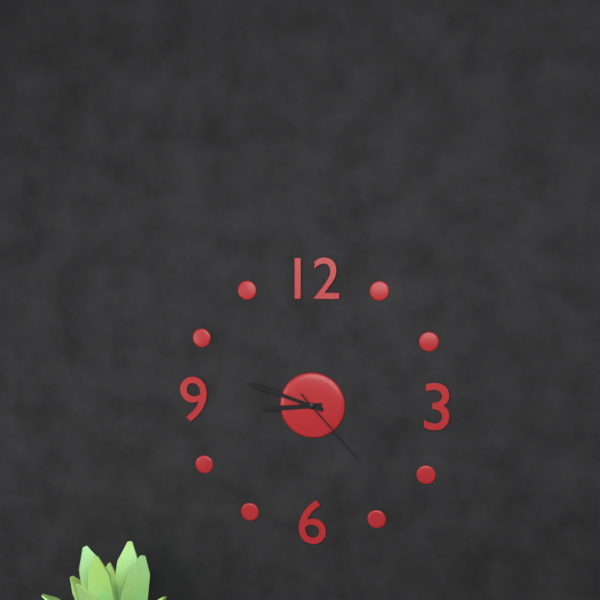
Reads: 8 h 48 min 23 s
